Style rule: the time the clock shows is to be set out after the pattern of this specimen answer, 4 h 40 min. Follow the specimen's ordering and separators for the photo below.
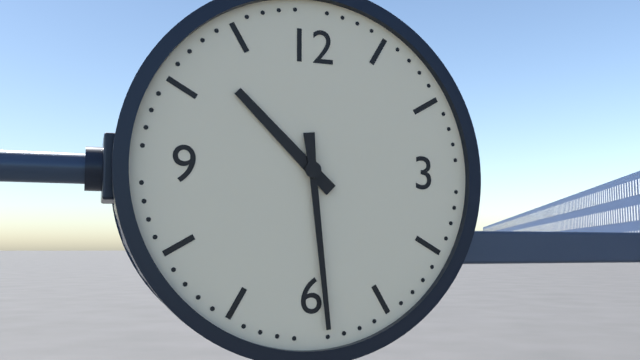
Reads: 10 h 29 min
